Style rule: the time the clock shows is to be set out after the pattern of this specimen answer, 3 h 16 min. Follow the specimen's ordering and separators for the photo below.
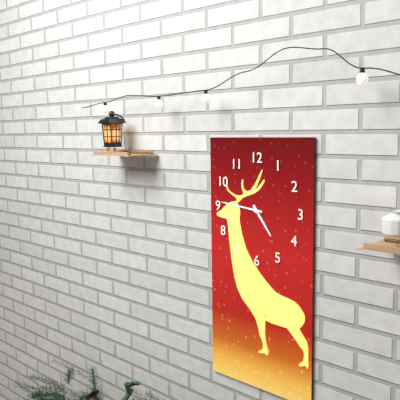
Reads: 4 h 46 min
